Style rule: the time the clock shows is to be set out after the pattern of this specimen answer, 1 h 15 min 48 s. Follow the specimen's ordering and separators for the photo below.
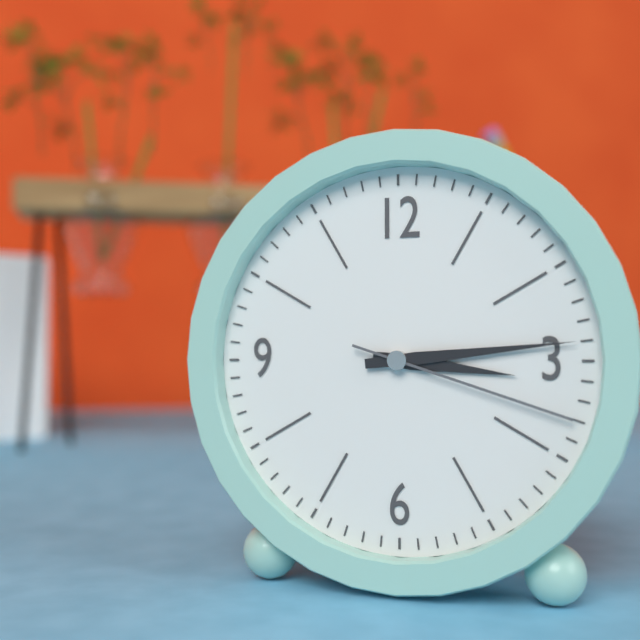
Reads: 3 h 14 min 18 s
